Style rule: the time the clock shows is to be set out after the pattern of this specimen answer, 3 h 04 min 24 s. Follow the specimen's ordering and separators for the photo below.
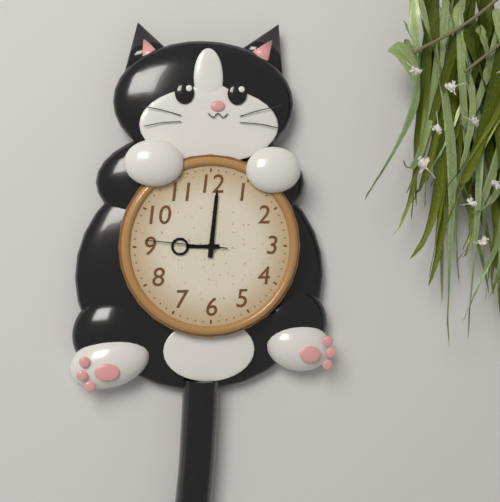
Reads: 9 h 01 min 46 s
